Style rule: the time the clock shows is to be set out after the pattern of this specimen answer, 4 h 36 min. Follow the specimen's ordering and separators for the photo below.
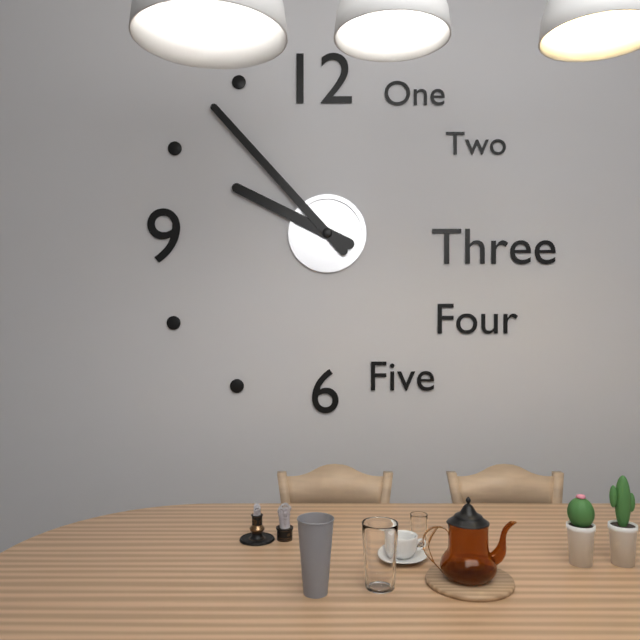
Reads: 9 h 53 min
